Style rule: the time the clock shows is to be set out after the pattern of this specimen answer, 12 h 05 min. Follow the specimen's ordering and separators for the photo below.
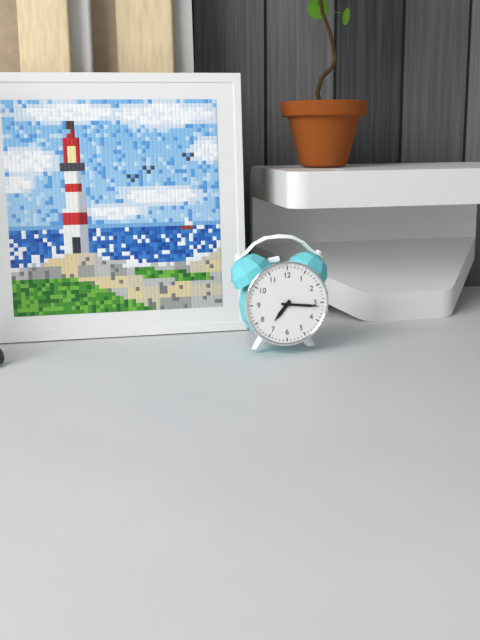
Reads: 7 h 16 min
